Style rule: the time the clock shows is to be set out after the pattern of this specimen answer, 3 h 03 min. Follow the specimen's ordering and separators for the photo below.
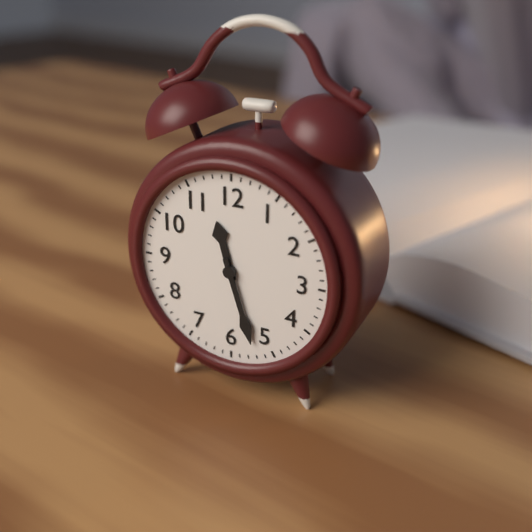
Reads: 11 h 27 min
